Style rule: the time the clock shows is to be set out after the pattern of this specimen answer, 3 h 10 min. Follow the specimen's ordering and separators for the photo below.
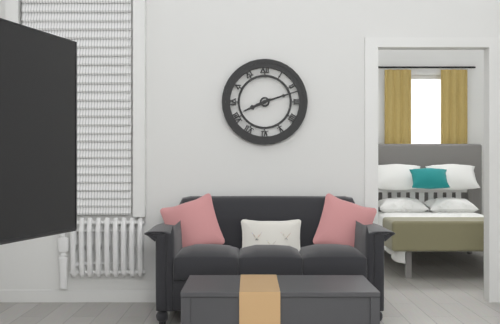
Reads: 8 h 12 min
